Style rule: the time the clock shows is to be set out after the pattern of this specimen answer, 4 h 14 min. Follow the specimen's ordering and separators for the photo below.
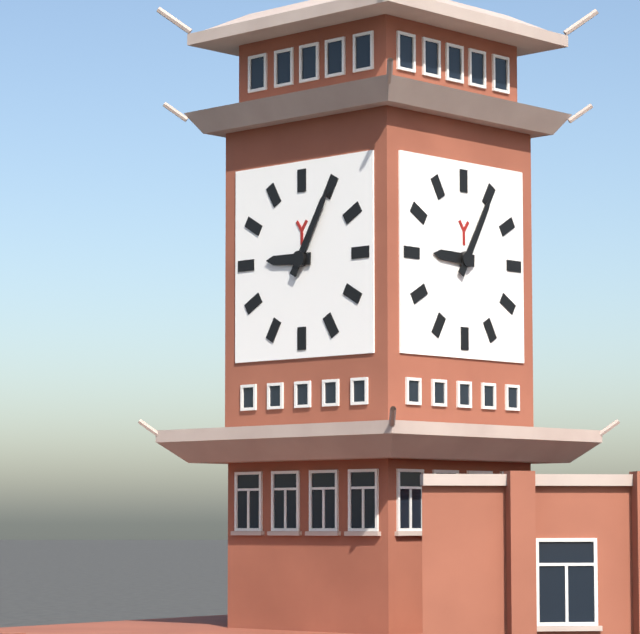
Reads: 9 h 05 min
